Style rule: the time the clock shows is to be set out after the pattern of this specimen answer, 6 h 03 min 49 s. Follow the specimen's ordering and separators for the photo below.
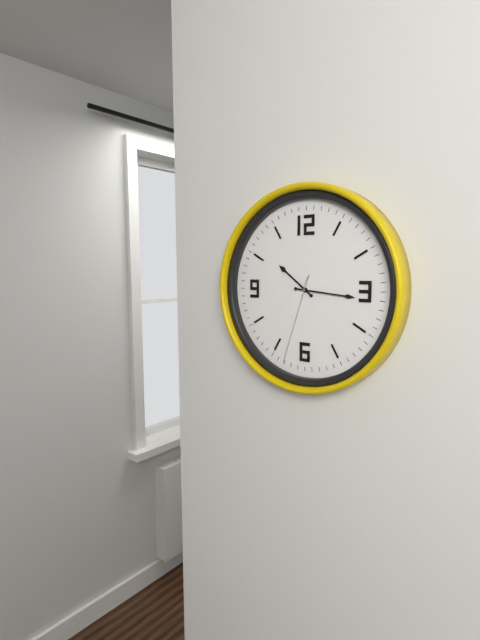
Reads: 10 h 16 min 33 s
